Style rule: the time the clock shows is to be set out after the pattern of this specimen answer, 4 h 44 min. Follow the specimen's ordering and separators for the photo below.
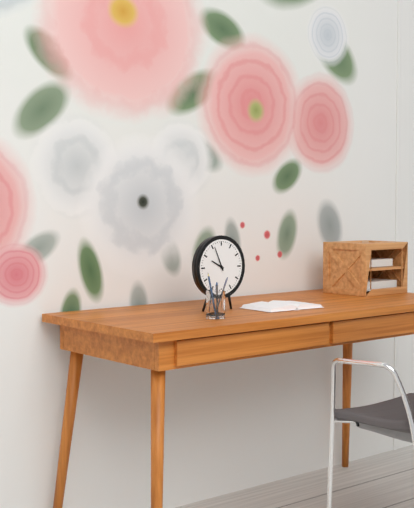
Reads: 9 h 56 min
